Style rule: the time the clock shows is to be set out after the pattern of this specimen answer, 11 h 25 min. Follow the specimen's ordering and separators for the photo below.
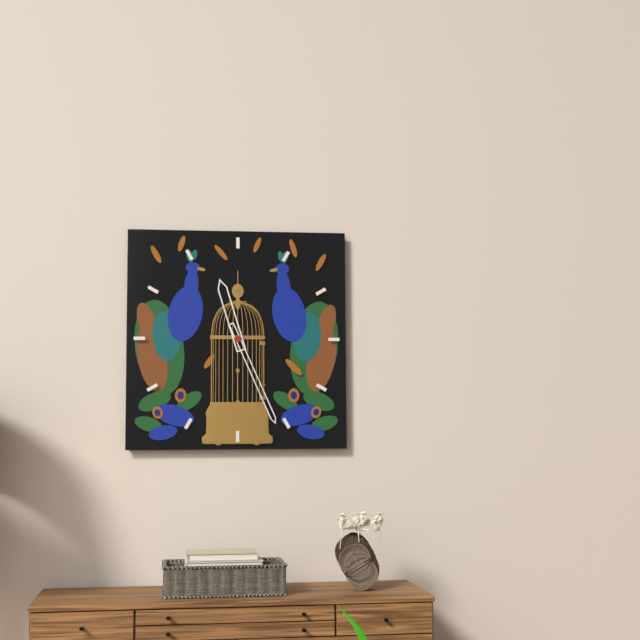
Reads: 11 h 26 min
